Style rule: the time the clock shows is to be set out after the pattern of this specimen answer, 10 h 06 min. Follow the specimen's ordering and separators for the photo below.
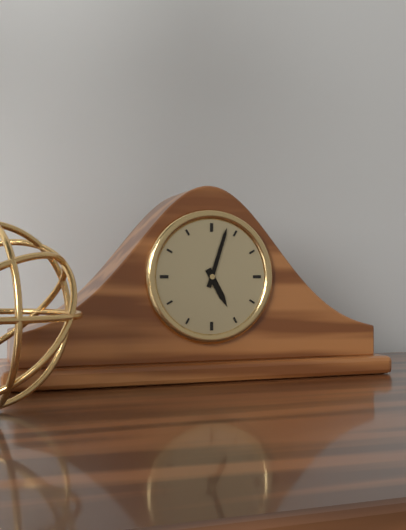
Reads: 5 h 03 min
